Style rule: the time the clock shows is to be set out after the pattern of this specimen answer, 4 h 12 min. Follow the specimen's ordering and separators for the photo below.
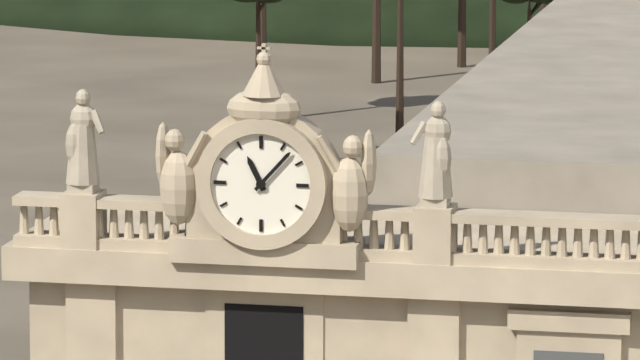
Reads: 11 h 07 min
